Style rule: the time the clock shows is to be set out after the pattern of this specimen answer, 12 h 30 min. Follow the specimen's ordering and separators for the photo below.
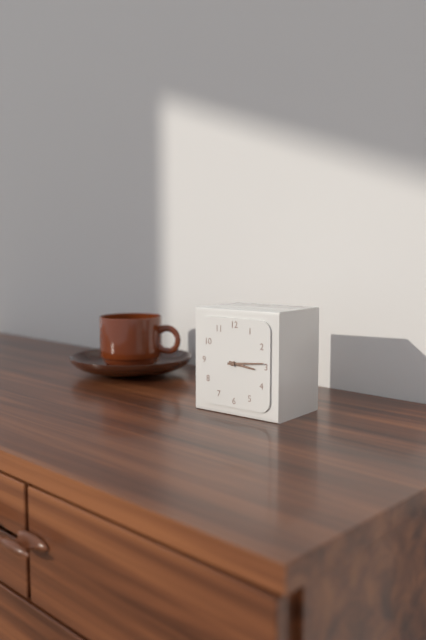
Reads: 3 h 14 min
